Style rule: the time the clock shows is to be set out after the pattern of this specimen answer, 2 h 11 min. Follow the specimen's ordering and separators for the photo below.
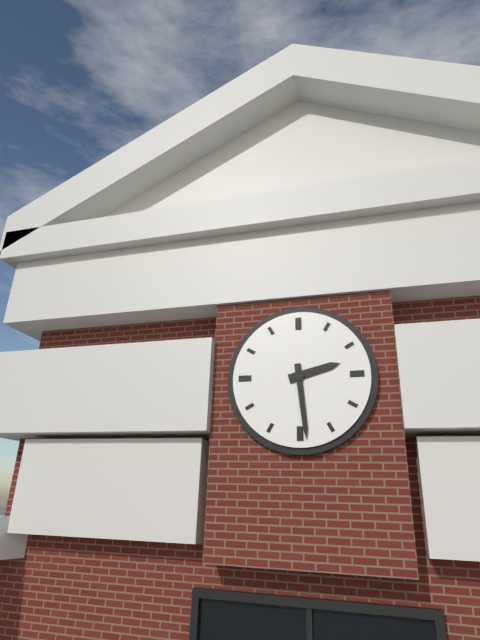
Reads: 2 h 29 min
